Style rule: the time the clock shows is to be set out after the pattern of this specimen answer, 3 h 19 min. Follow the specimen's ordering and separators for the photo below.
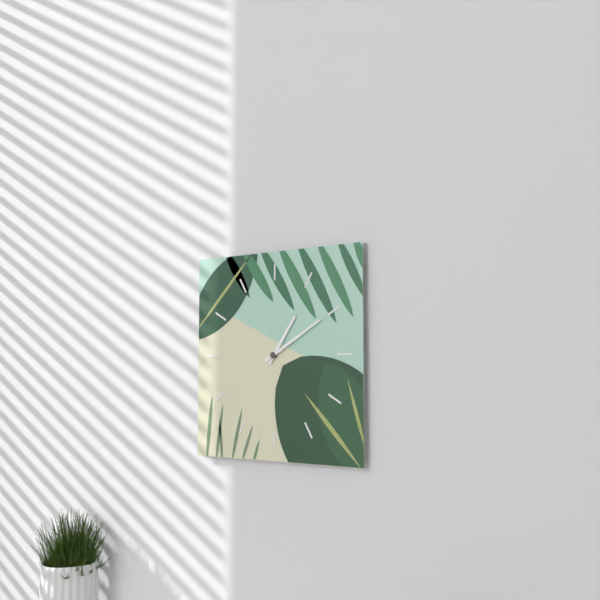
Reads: 1 h 10 min
